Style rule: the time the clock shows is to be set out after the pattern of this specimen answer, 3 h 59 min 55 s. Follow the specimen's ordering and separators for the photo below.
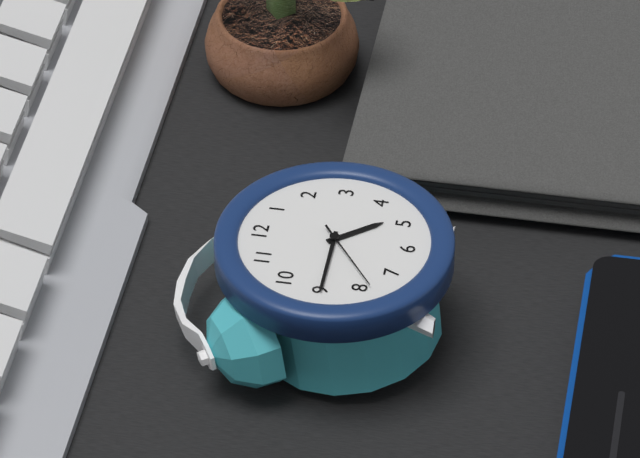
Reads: 4 h 45 min 39 s
